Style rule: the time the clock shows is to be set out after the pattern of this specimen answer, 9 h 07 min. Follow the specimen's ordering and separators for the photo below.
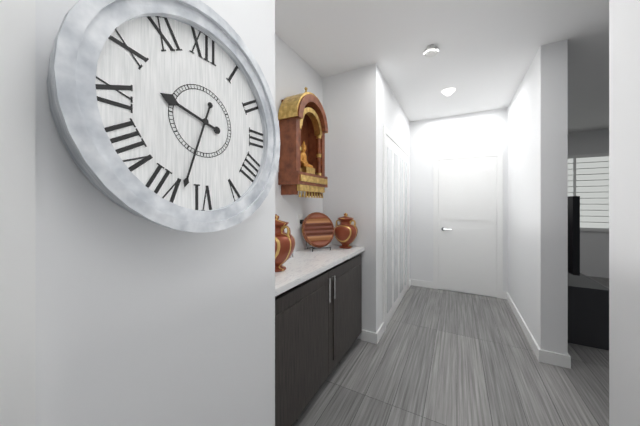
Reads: 9 h 33 min
